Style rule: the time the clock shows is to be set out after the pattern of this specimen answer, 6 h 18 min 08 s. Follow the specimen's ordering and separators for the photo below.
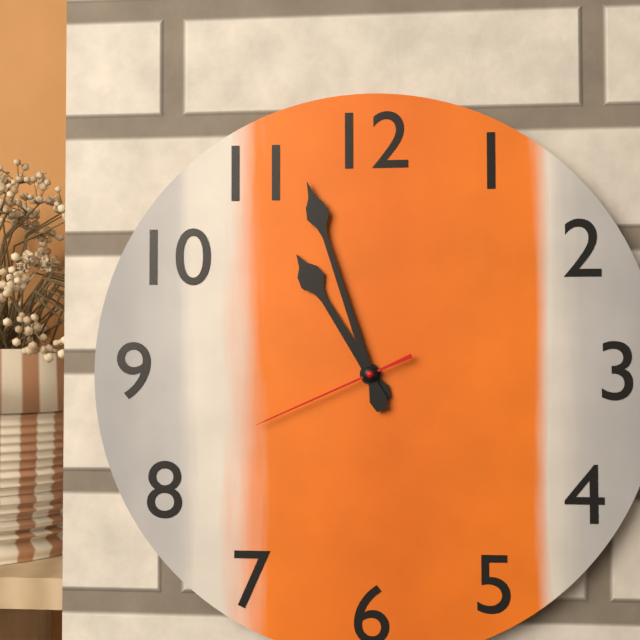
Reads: 10 h 57 min 41 s
